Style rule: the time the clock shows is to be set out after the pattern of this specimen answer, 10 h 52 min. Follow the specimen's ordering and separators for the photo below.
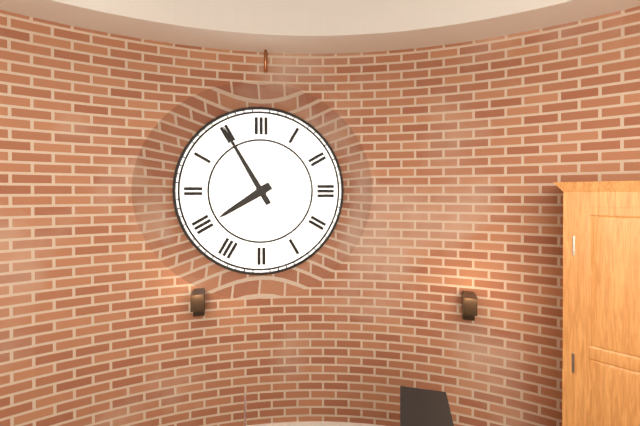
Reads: 7 h 55 min
